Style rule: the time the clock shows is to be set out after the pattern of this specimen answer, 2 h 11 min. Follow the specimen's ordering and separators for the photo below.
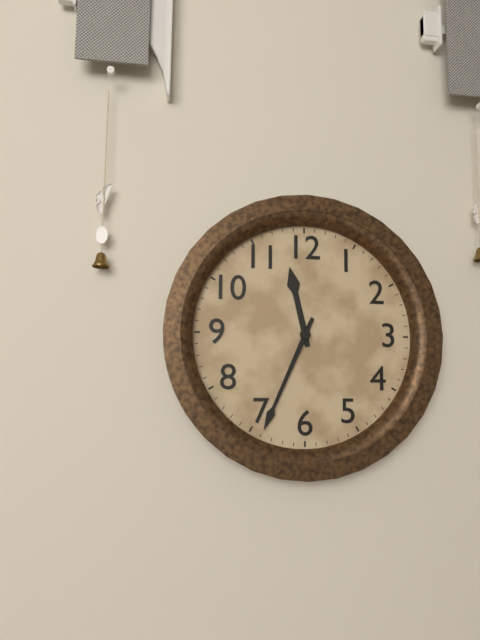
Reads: 11 h 34 min
